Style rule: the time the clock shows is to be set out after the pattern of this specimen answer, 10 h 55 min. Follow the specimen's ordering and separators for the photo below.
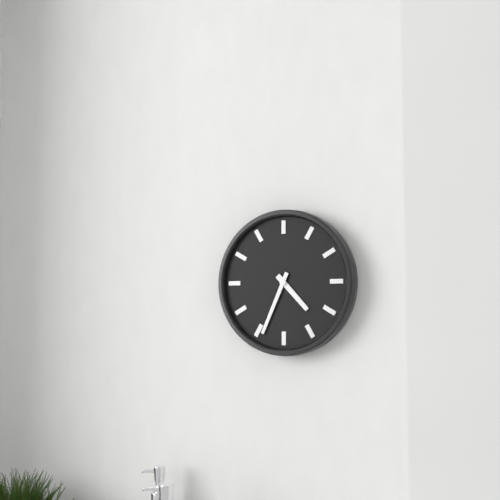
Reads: 4 h 34 min
